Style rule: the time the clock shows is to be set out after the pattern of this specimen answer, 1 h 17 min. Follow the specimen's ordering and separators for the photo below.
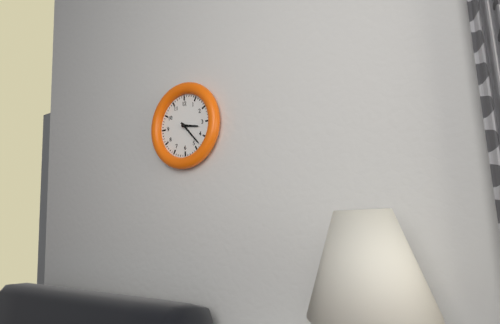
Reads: 3 h 23 min
